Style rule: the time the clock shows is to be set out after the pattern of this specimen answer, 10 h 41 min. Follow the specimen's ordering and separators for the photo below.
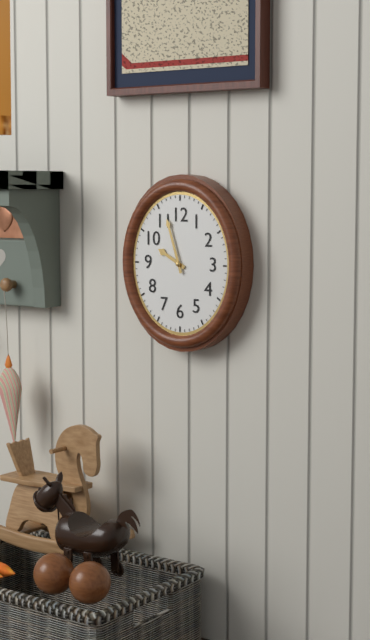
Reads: 9 h 57 min
